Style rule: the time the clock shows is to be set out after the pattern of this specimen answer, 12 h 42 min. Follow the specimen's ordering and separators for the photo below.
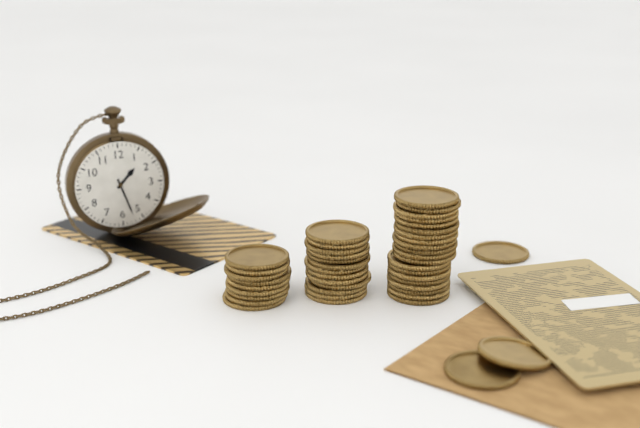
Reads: 1 h 27 min
